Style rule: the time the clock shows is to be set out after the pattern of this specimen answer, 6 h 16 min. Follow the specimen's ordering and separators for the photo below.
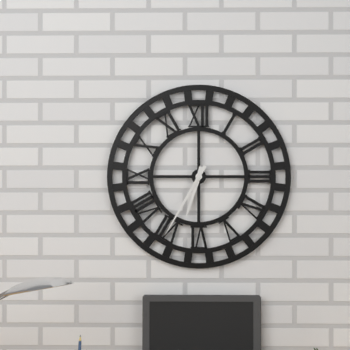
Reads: 6 h 35 min
